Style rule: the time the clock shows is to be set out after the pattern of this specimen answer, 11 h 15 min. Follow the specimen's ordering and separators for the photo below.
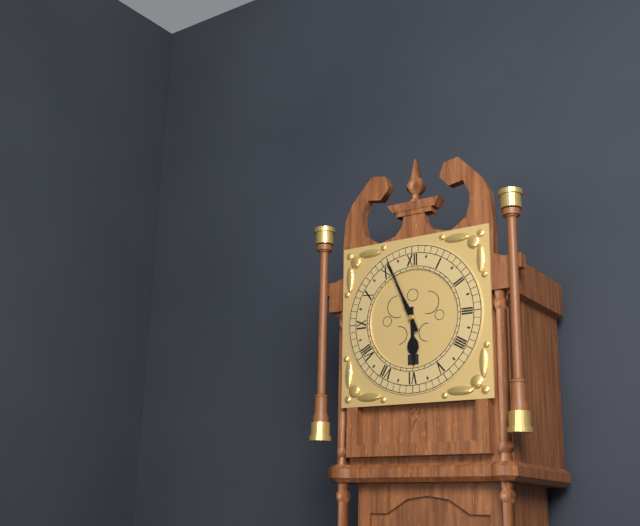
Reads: 5 h 56 min
